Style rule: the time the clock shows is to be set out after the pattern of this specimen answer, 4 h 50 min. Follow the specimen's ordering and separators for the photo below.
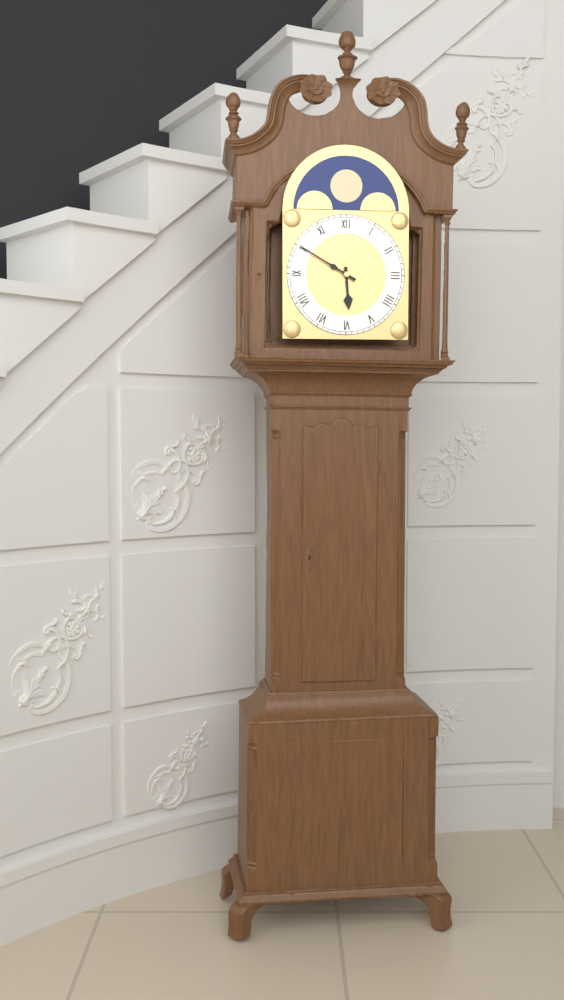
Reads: 5 h 50 min
